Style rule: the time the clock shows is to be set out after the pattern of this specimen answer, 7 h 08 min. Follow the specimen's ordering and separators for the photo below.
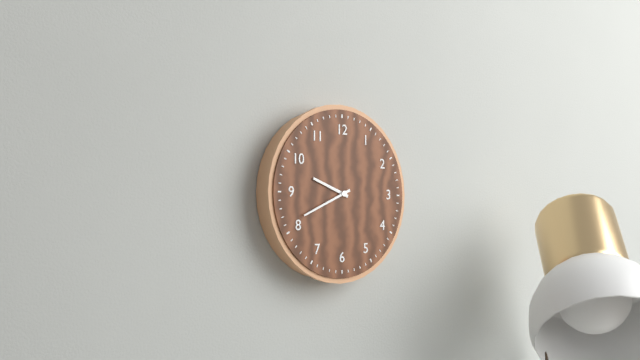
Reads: 9 h 41 min
